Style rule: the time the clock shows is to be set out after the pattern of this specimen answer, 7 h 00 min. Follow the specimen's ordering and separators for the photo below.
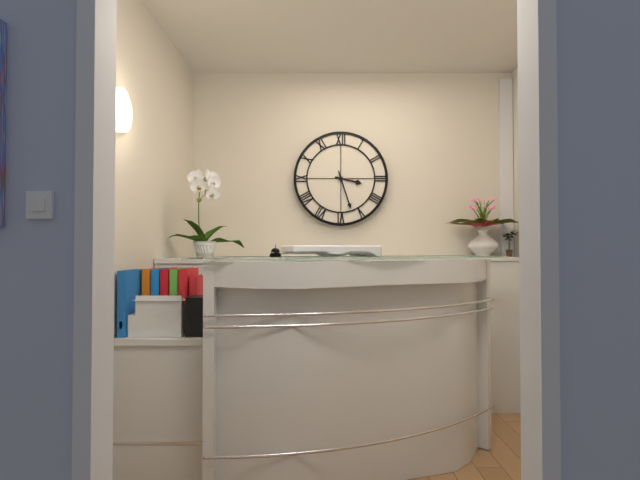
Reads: 3 h 27 min
